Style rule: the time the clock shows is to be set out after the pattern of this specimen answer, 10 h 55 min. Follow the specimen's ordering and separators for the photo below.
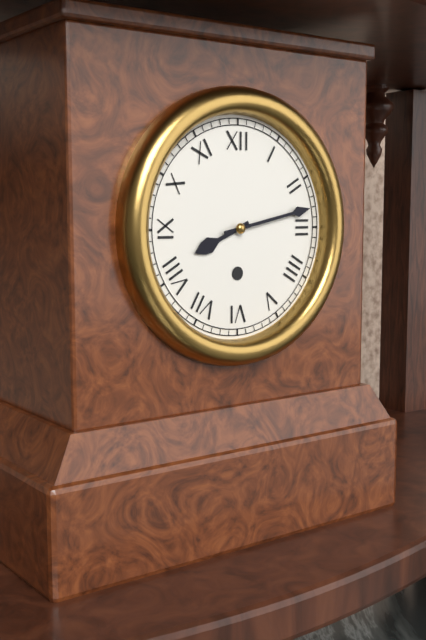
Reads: 8 h 13 min
